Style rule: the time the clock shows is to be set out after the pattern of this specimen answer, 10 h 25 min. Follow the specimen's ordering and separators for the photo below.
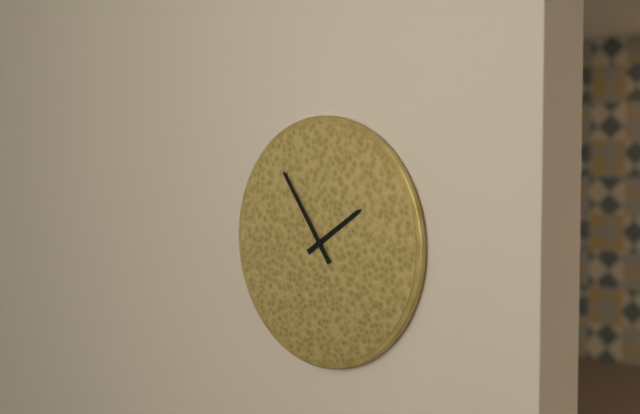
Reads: 1 h 54 min
